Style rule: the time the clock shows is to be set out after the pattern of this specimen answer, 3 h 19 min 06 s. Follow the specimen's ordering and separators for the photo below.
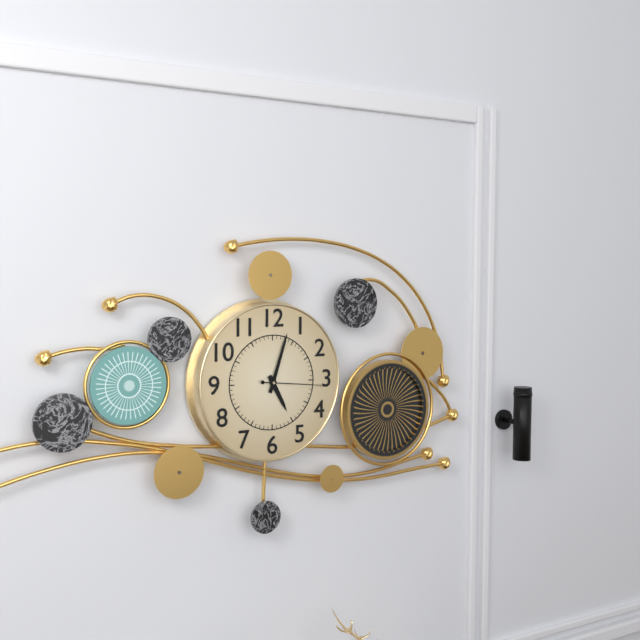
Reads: 5 h 03 min 16 s
